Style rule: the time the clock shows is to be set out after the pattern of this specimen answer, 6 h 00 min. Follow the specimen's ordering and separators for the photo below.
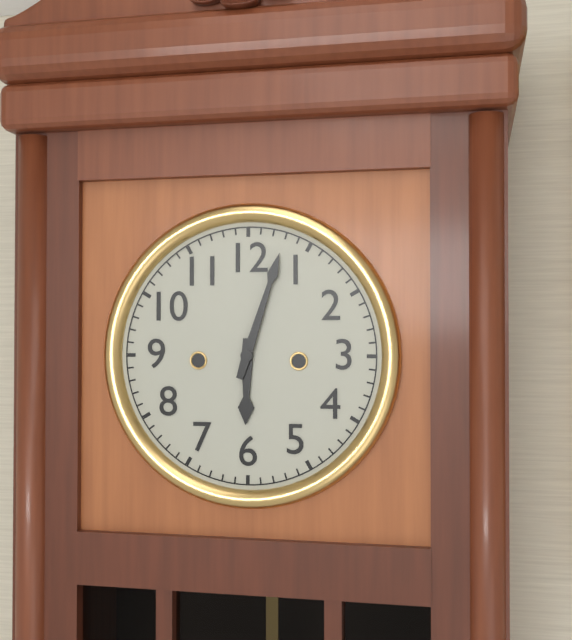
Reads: 6 h 03 min
